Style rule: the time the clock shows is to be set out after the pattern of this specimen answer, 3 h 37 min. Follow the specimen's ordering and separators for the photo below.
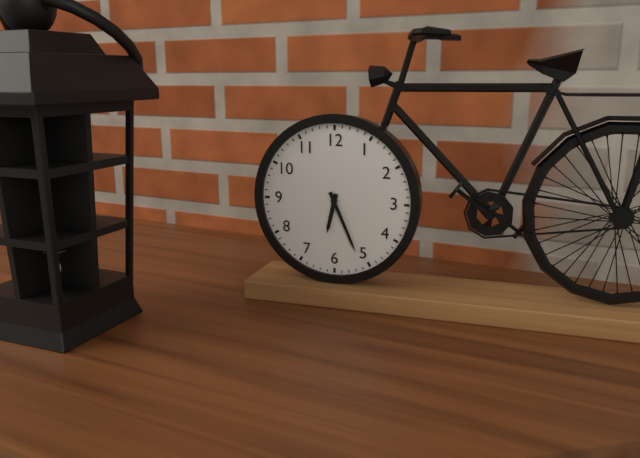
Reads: 6 h 26 min
